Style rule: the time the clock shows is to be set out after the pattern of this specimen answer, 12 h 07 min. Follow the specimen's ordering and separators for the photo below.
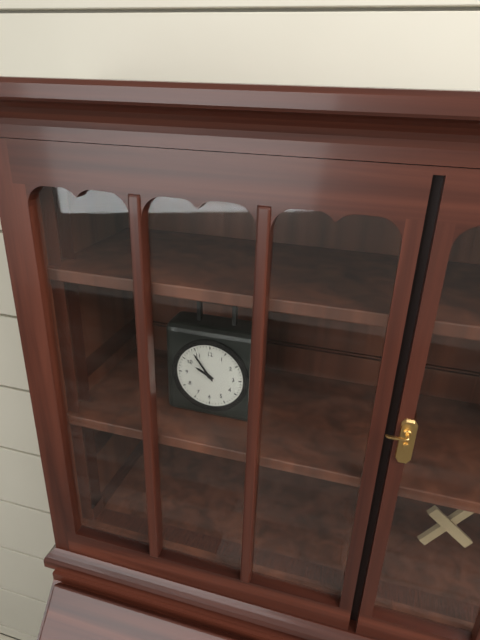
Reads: 9 h 54 min
